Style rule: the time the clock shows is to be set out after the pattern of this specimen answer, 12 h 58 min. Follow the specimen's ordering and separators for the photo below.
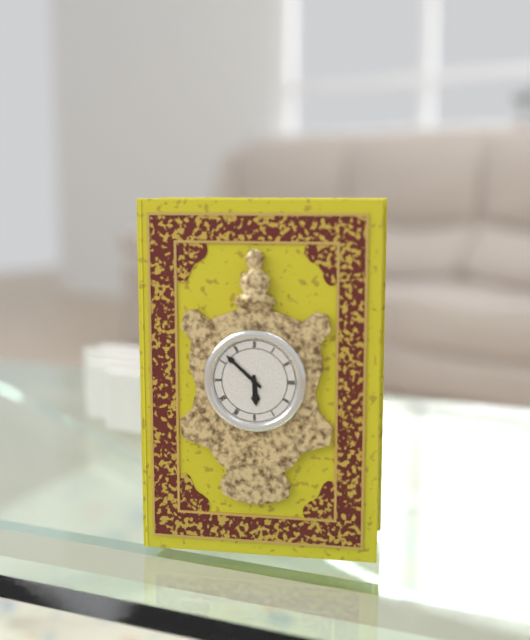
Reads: 5 h 52 min
